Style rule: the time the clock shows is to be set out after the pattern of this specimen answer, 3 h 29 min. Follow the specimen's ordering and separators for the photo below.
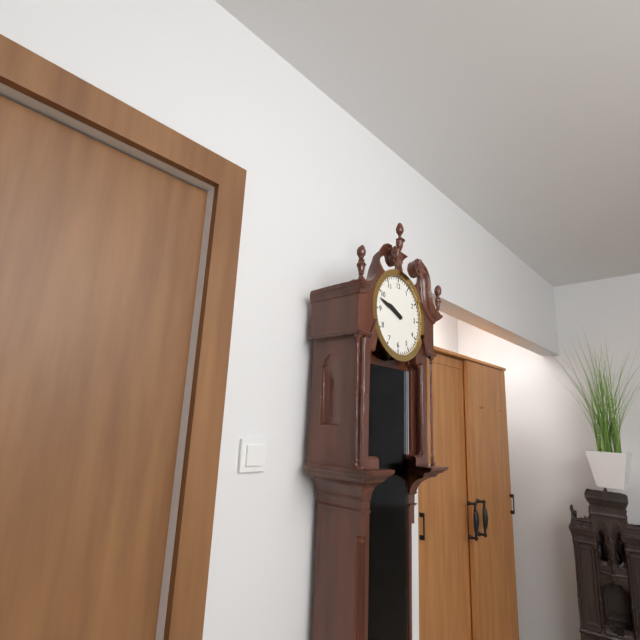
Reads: 9 h 48 min
